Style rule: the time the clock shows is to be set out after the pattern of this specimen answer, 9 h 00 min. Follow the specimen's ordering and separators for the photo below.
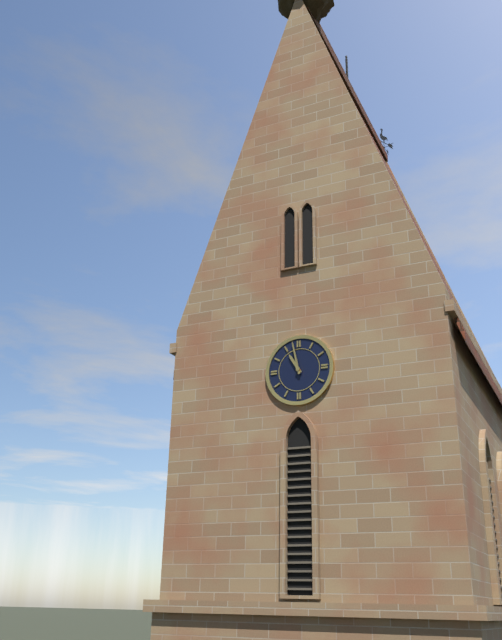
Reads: 10 h 58 min
